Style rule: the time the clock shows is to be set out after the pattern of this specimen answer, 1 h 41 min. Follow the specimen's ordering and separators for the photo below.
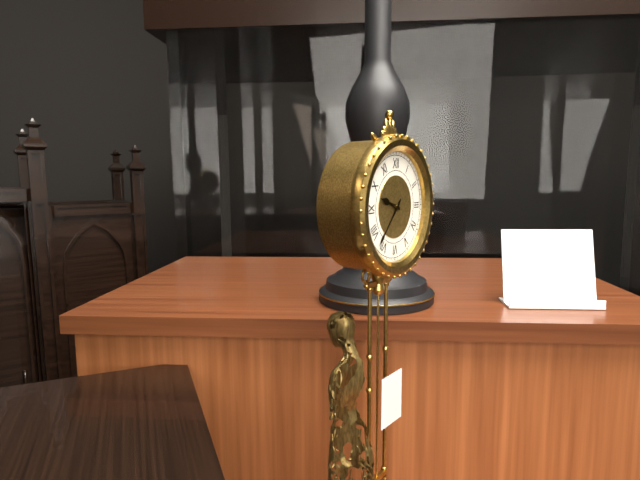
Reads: 9 h 37 min
